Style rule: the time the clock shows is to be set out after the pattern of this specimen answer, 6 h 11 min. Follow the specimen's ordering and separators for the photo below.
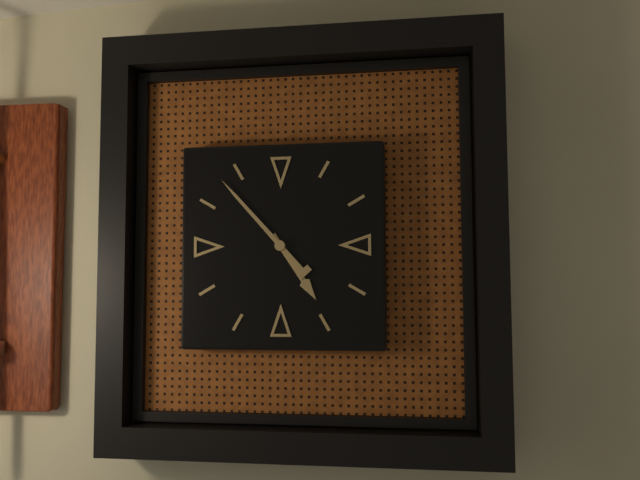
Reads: 4 h 53 min
